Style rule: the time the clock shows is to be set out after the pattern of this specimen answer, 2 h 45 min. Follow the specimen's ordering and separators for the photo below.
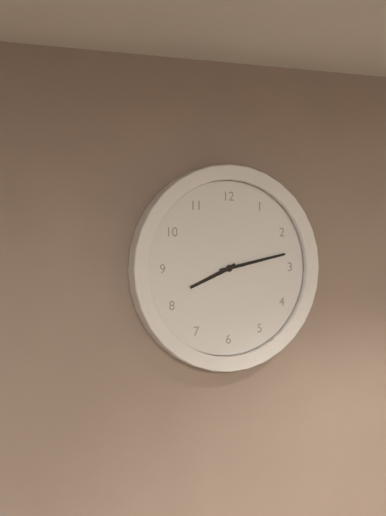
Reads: 8 h 13 min
